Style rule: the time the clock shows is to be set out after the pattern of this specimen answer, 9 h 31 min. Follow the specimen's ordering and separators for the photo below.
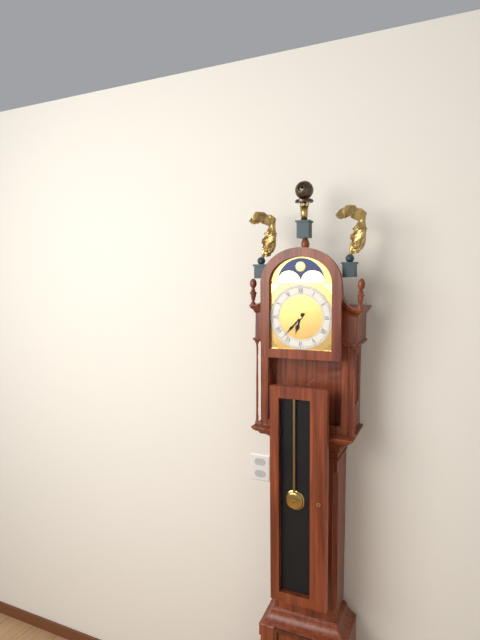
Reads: 6 h 37 min
